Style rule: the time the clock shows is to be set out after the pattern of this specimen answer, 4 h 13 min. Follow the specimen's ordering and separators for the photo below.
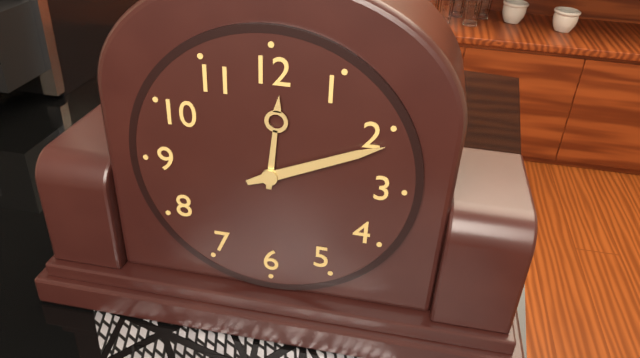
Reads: 12 h 11 min
